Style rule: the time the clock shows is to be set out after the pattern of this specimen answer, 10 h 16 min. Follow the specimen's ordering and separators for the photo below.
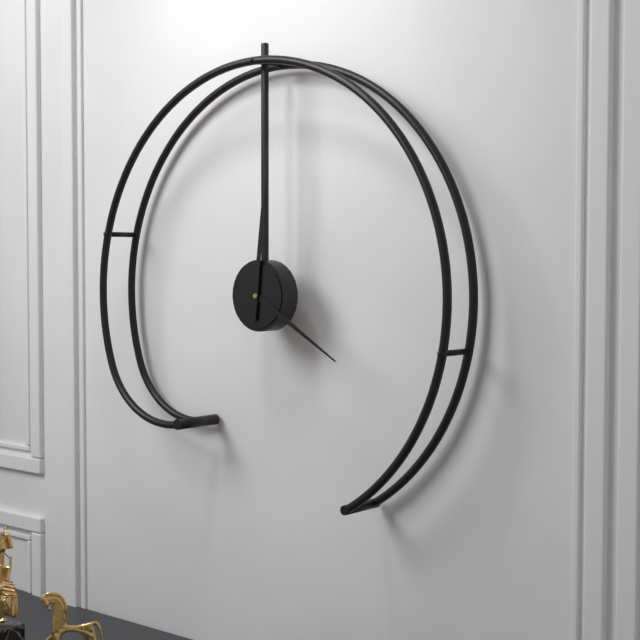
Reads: 4 h 01 min
